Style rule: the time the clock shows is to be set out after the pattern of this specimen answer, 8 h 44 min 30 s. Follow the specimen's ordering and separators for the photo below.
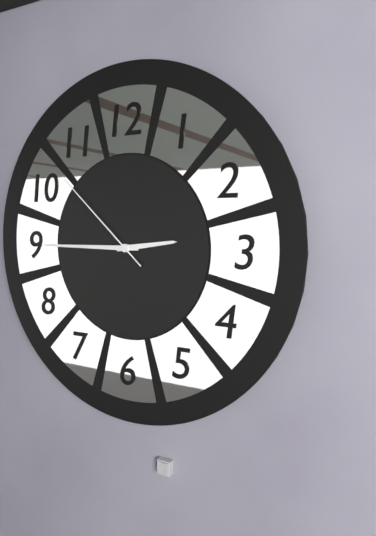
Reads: 2 h 45 min 52 s
